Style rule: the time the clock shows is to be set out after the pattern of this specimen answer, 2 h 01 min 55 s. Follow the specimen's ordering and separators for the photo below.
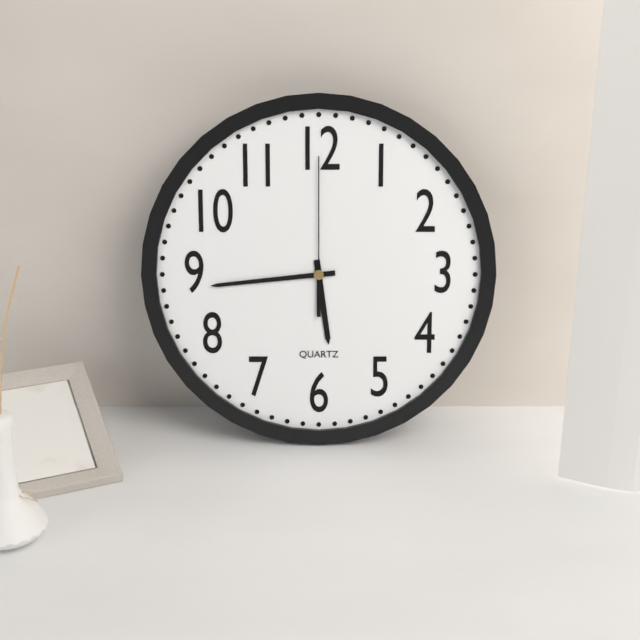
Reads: 5 h 44 min 00 s
